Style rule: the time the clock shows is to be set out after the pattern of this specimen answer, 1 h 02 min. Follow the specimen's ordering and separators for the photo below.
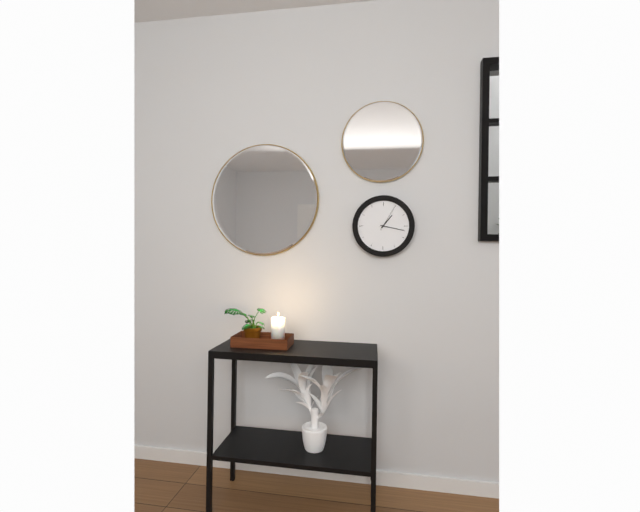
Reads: 1 h 17 min
